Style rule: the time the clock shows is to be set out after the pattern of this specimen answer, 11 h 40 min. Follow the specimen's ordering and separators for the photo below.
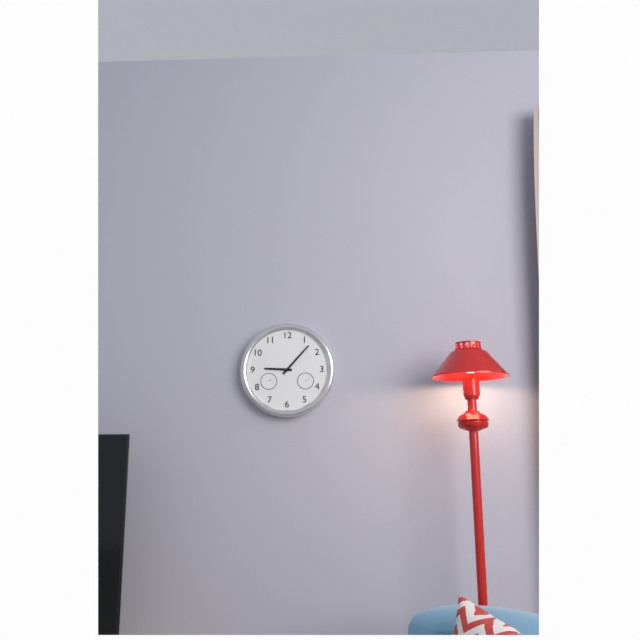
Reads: 9 h 07 min
